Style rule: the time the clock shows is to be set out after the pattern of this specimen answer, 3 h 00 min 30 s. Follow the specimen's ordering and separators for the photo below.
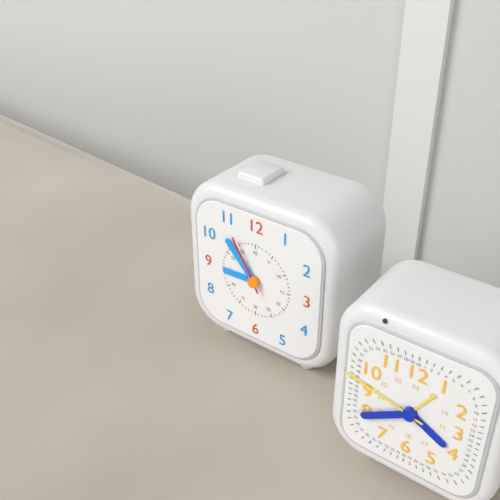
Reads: 8 h 53 min 55 s
